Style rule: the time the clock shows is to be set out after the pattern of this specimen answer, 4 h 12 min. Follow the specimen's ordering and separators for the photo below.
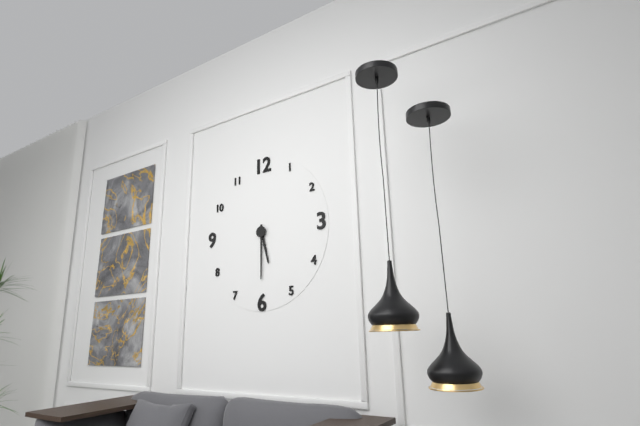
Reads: 5 h 30 min
